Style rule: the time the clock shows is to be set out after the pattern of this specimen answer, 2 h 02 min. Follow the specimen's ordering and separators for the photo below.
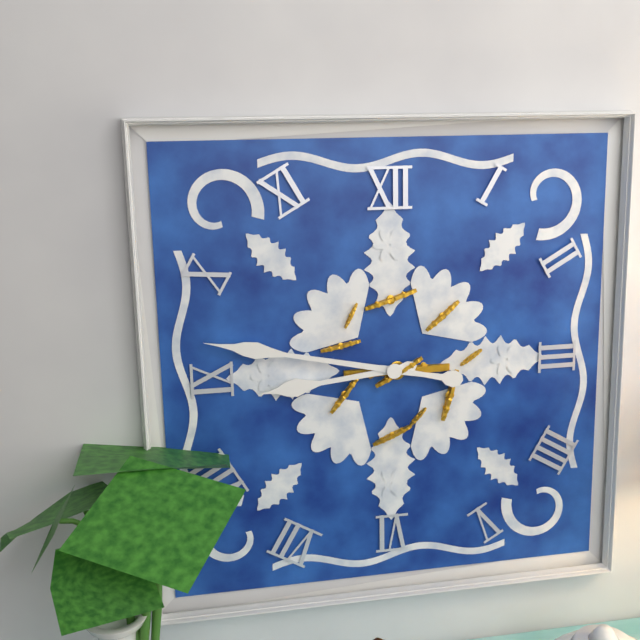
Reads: 8 h 47 min
